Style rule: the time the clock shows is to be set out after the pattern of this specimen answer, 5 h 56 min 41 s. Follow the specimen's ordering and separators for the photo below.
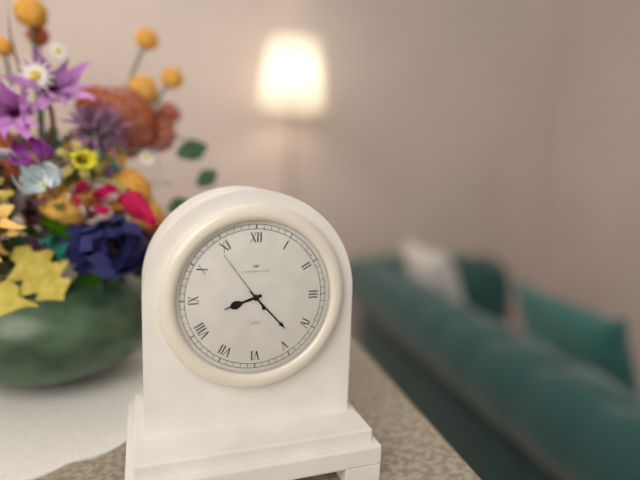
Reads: 8 h 23 min 54 s
